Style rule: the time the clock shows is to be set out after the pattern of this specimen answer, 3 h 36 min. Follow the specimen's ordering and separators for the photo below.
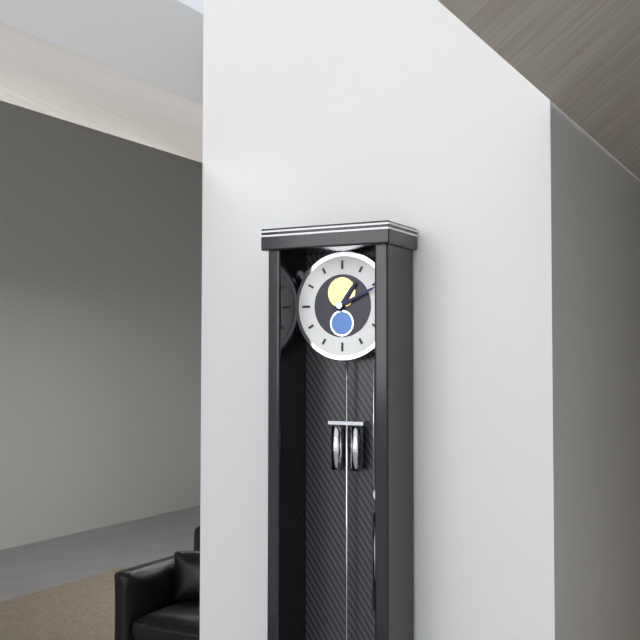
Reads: 1 h 11 min
